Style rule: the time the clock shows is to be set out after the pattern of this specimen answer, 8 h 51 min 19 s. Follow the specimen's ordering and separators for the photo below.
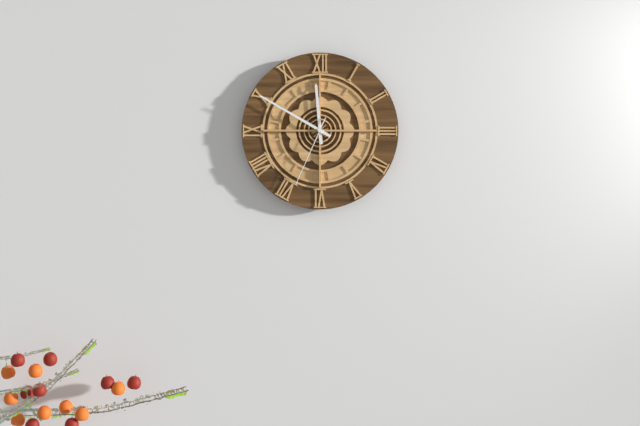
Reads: 11 h 50 min 34 s
